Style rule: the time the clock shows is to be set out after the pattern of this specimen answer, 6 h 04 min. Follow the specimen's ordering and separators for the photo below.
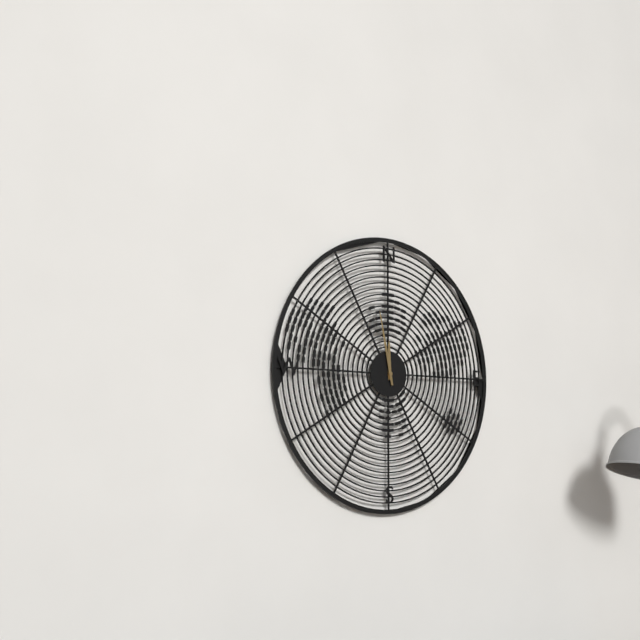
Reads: 11 h 58 min
